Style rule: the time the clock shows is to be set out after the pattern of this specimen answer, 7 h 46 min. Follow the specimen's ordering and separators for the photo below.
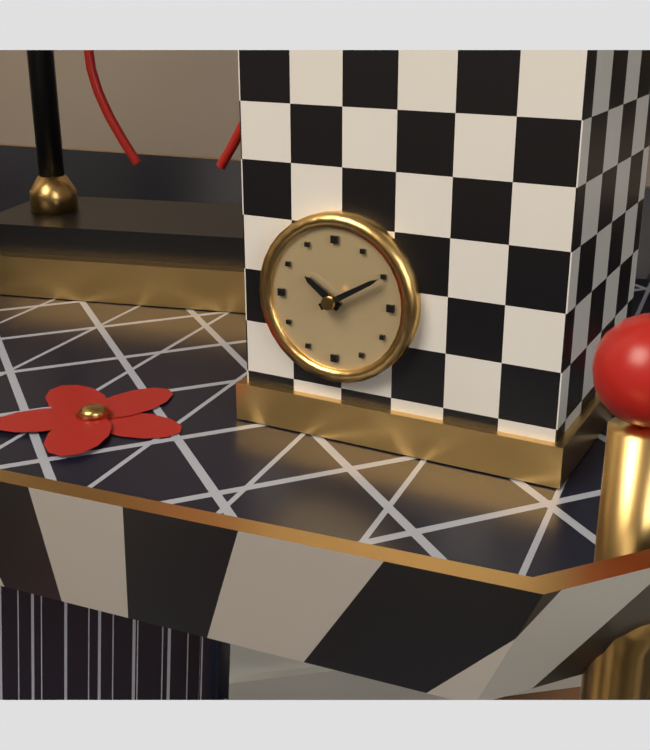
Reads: 10 h 10 min
